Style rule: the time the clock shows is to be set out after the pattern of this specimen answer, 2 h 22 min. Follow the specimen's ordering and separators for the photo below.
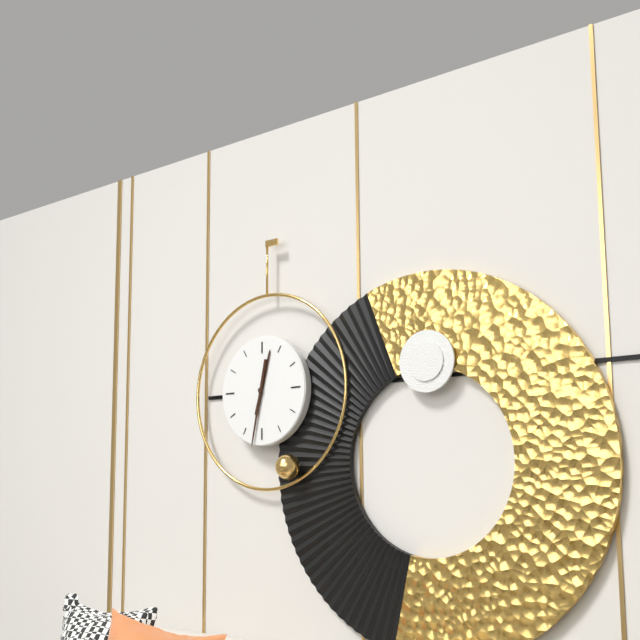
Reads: 12 h 32 min
